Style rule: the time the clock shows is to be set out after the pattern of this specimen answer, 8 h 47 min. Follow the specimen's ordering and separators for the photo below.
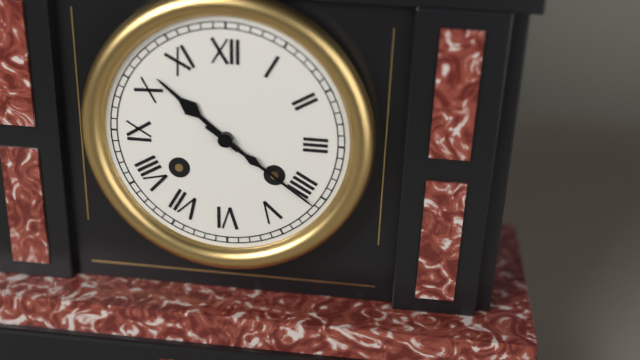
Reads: 10 h 21 min
